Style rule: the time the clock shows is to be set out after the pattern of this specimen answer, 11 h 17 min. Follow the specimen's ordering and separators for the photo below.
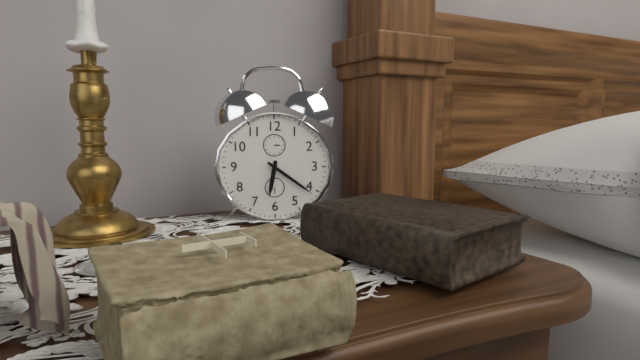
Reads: 6 h 21 min
